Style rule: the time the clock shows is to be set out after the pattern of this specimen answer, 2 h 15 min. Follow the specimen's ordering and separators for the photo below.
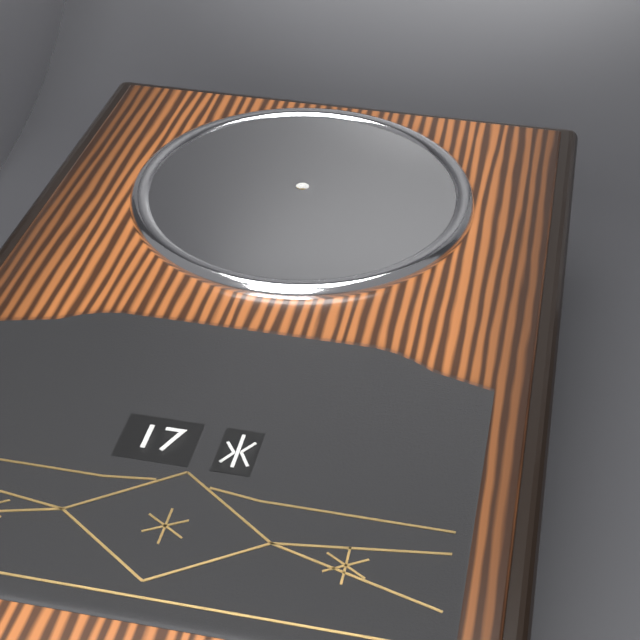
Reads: 10 h 07 min
